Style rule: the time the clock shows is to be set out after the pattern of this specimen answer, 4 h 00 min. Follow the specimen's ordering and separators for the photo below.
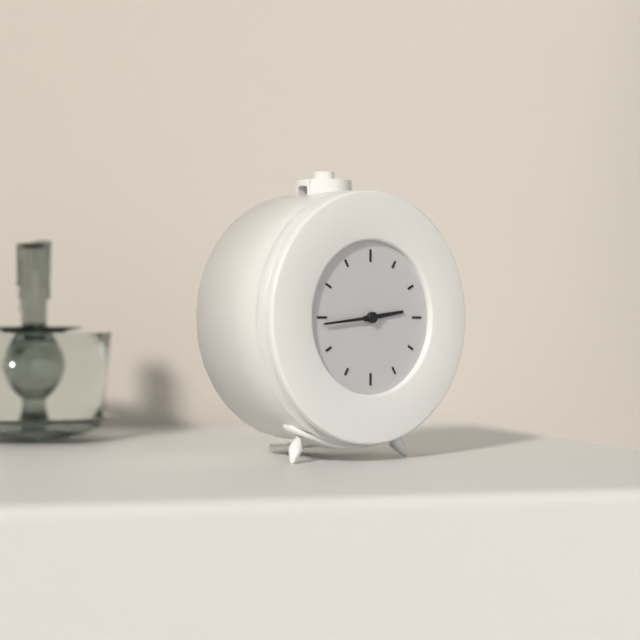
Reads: 2 h 44 min
